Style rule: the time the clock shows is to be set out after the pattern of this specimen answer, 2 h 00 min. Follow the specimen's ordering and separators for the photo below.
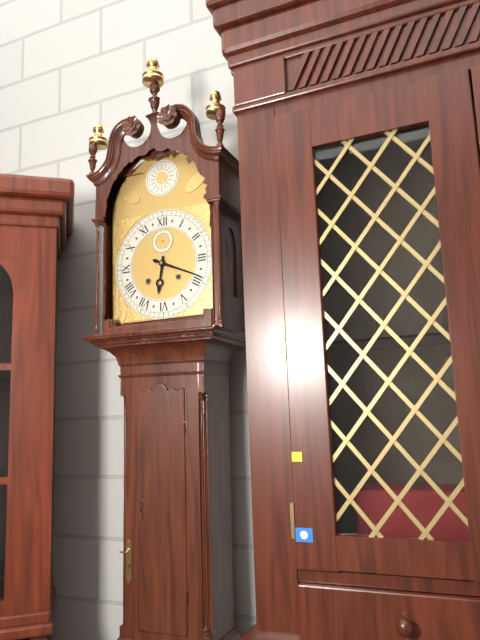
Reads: 6 h 19 min
